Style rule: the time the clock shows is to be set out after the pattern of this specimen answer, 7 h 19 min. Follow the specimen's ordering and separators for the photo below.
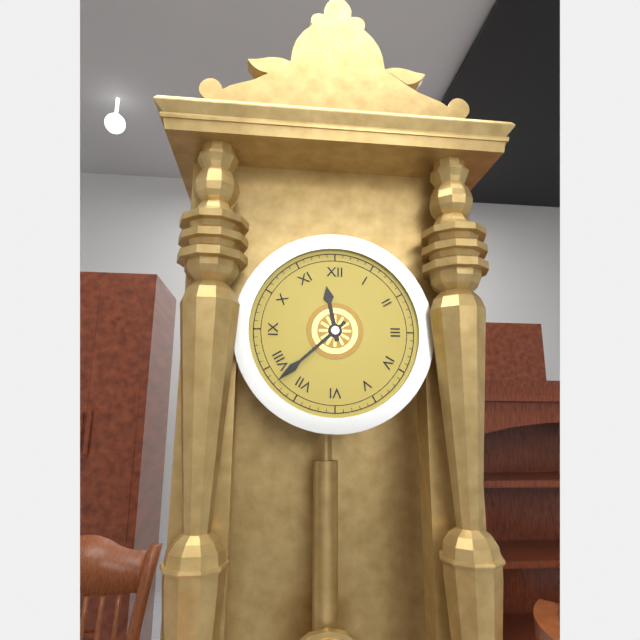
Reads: 11 h 38 min
